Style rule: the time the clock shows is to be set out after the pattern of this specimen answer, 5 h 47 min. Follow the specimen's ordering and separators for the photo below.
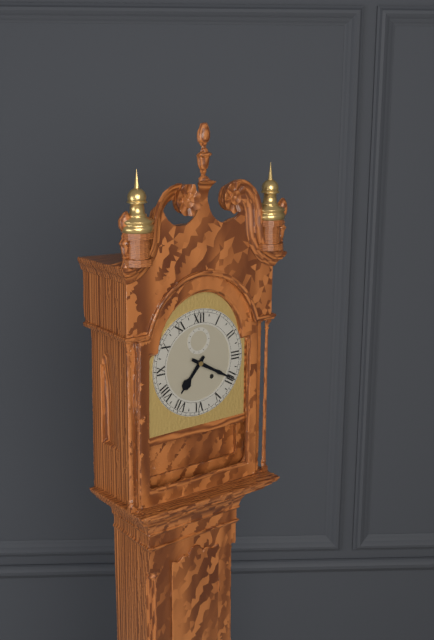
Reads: 7 h 20 min
